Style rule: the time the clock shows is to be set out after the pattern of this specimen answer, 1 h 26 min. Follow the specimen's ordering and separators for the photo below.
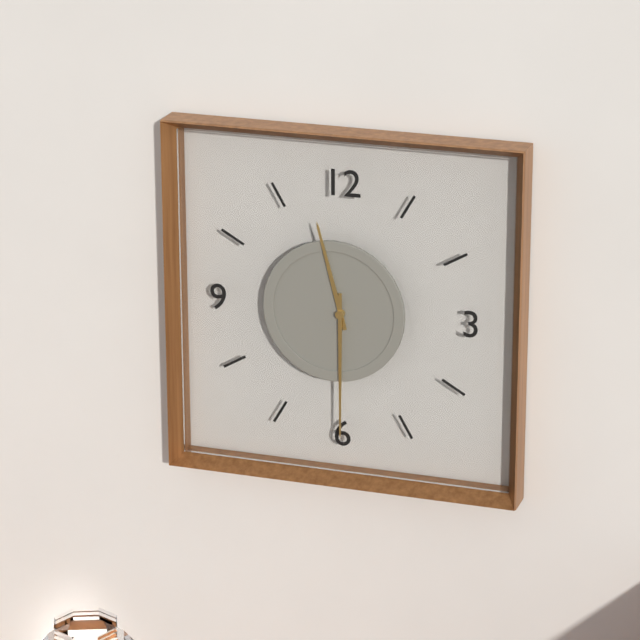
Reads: 11 h 30 min
